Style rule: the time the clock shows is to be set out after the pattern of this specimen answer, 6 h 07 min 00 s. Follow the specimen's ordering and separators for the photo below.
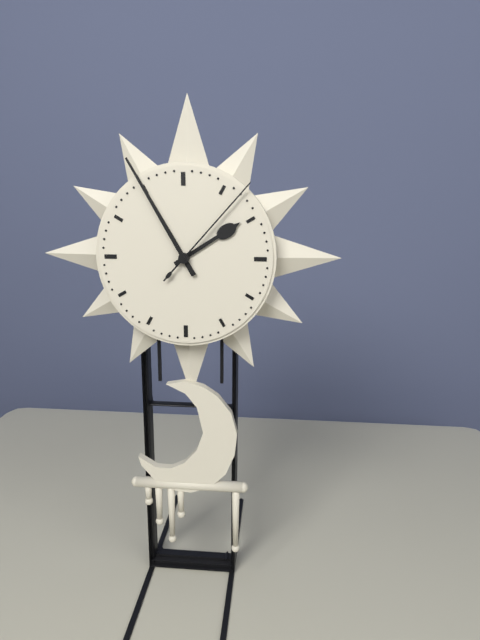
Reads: 1 h 55 min 07 s
